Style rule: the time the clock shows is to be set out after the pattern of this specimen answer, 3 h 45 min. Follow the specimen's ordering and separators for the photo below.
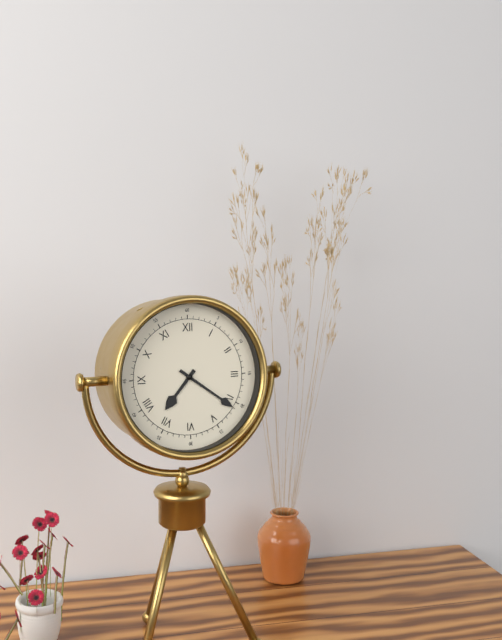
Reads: 7 h 21 min
